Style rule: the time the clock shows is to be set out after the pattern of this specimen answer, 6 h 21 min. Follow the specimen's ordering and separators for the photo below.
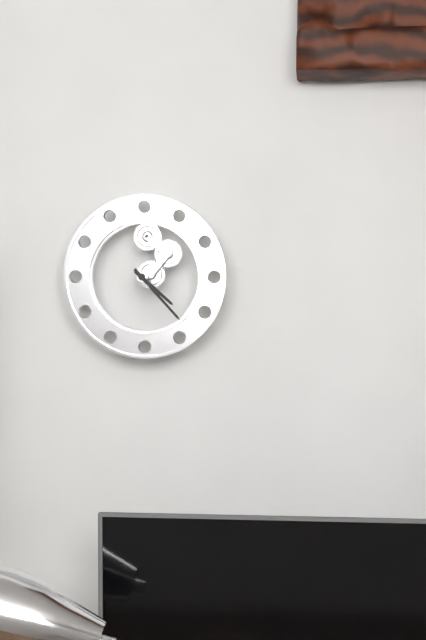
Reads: 4 h 23 min
